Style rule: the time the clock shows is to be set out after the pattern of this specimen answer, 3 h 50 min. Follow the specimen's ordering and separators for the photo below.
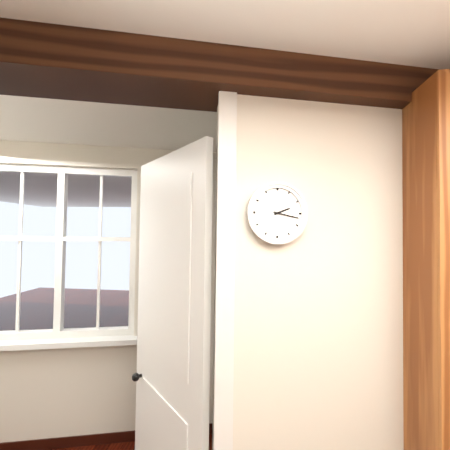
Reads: 2 h 17 min
